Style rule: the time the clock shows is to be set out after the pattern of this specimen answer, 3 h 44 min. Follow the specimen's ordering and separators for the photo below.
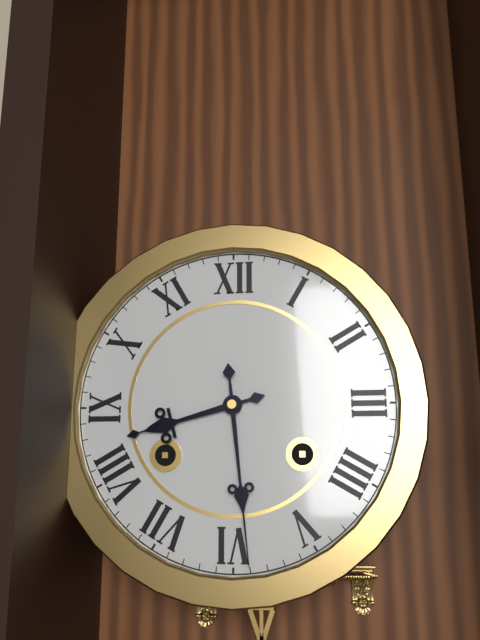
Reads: 8 h 29 min
